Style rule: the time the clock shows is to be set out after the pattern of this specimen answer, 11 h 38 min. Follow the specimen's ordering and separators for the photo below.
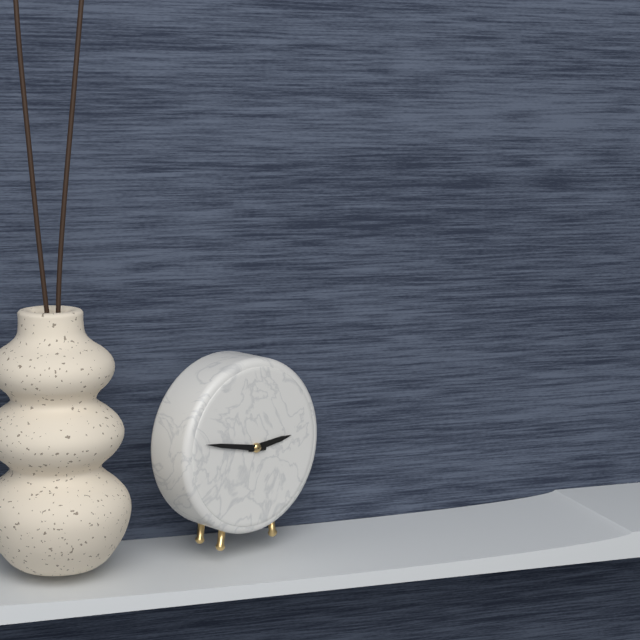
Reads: 2 h 47 min
